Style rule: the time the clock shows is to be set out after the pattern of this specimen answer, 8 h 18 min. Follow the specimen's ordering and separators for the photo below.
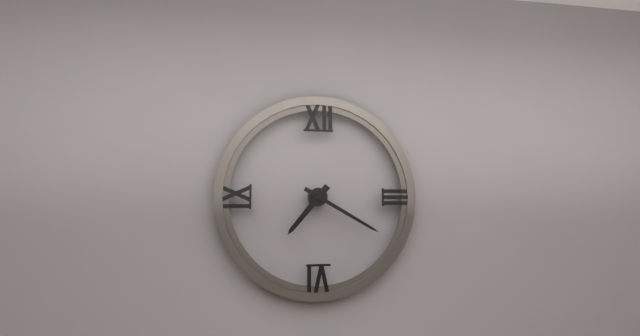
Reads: 7 h 20 min
